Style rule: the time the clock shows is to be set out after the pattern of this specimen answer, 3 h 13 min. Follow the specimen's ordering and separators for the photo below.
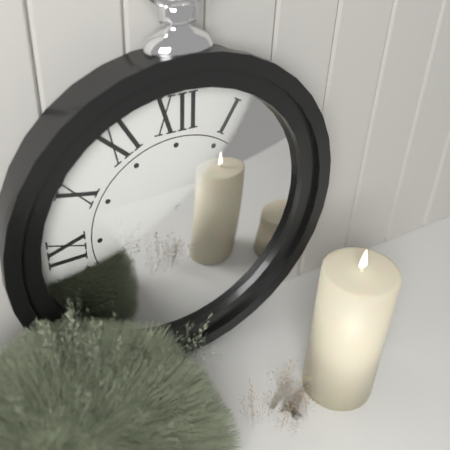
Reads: 6 h 10 min
